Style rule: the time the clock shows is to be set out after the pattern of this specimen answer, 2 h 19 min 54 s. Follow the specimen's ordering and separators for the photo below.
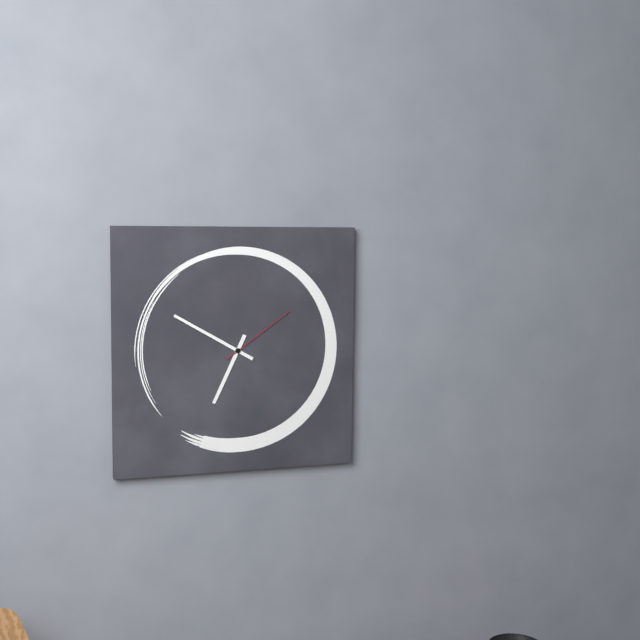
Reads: 6 h 50 min 09 s
